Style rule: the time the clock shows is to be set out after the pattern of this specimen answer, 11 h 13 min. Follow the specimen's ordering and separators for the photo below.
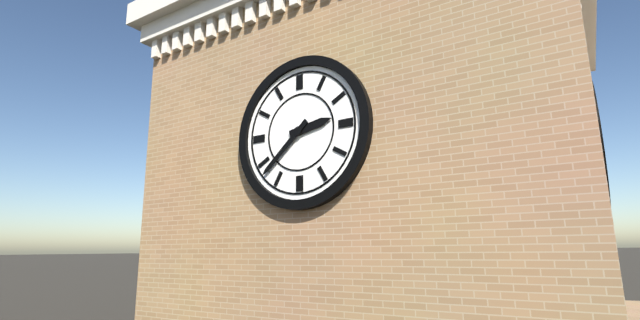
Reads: 2 h 38 min
